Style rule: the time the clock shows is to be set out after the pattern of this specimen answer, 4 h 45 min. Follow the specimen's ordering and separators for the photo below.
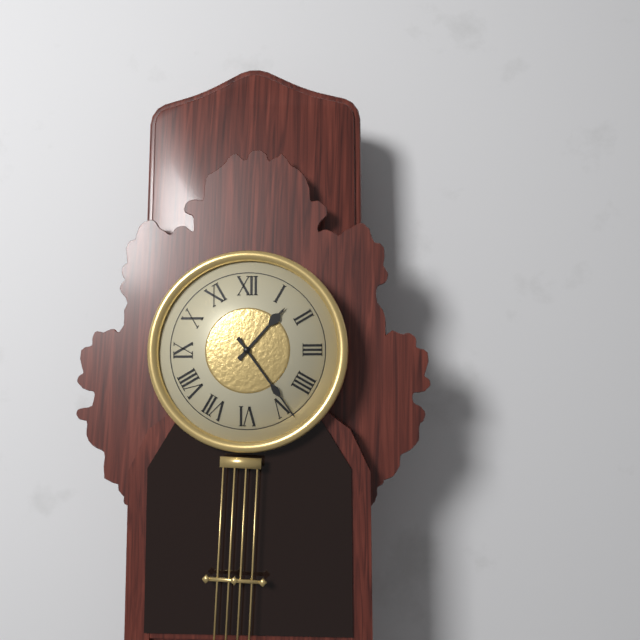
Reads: 1 h 24 min
